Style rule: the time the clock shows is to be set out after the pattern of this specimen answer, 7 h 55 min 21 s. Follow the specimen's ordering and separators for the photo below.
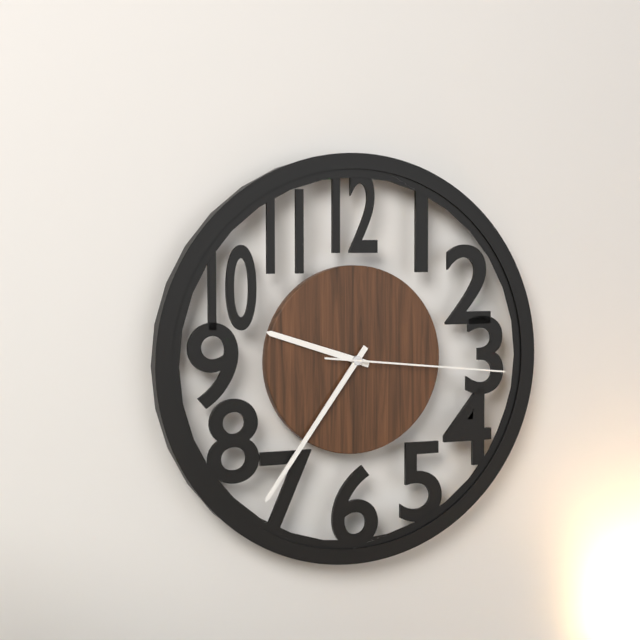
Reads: 9 h 36 min 16 s
